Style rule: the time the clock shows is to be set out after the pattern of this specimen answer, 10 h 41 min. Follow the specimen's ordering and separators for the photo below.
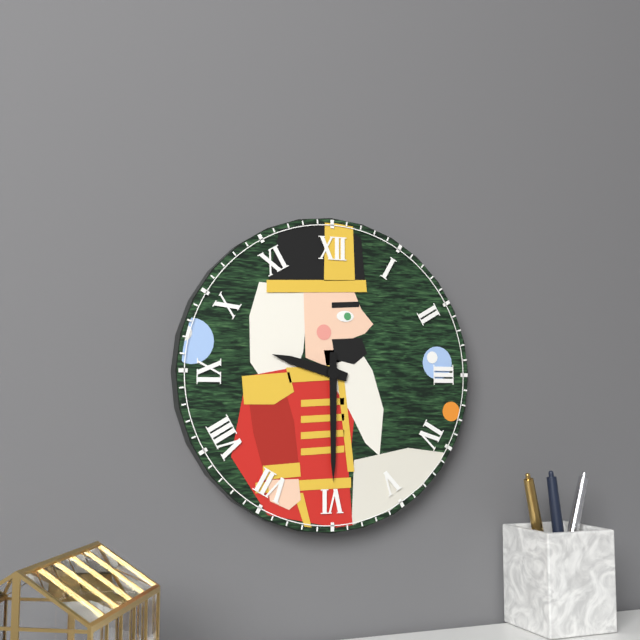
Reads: 9 h 30 min
